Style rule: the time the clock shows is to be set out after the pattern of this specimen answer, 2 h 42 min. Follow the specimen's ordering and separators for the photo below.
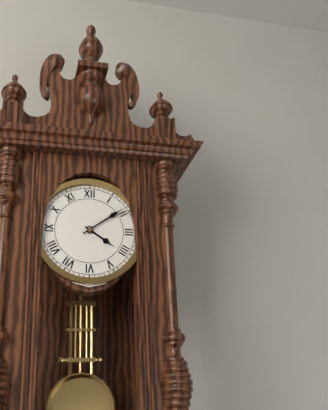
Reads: 4 h 09 min
